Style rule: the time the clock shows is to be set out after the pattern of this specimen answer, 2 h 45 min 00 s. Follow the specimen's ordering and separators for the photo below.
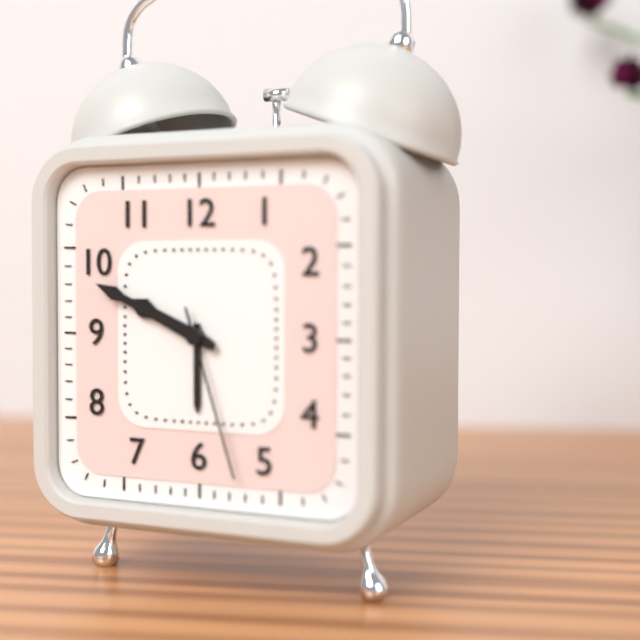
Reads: 9 h 49 min 27 s
